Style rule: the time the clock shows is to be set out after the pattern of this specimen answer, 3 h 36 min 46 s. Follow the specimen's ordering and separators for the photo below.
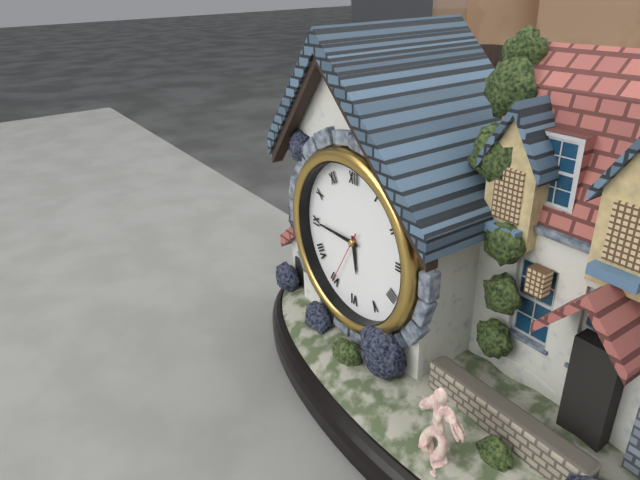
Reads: 5 h 45 min 35 s
